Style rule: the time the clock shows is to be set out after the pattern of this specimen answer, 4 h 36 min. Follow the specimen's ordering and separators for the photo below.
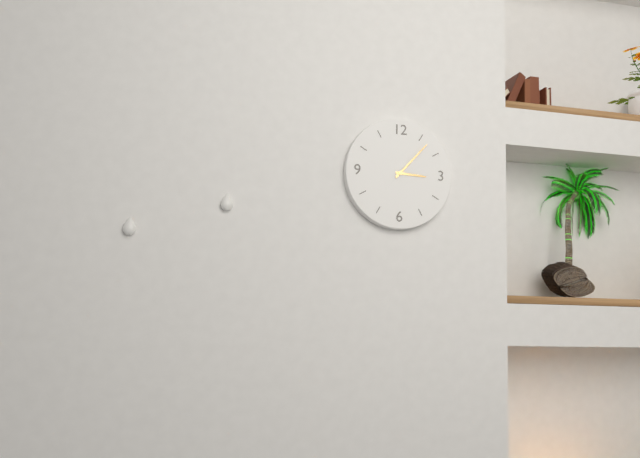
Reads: 3 h 07 min
